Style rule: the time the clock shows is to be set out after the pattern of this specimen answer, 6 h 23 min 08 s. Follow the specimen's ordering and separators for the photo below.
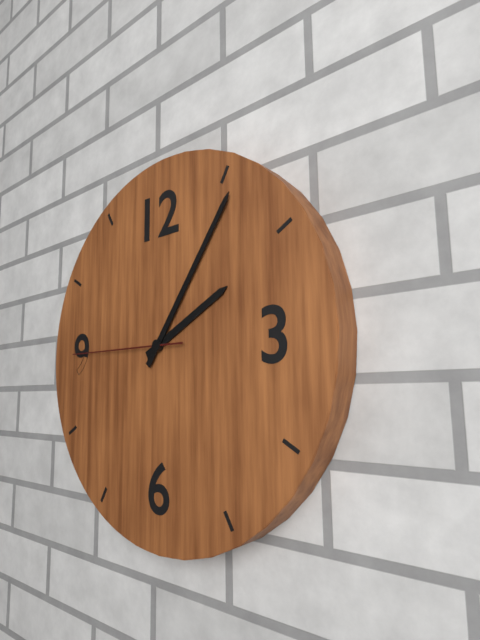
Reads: 2 h 06 min 45 s
